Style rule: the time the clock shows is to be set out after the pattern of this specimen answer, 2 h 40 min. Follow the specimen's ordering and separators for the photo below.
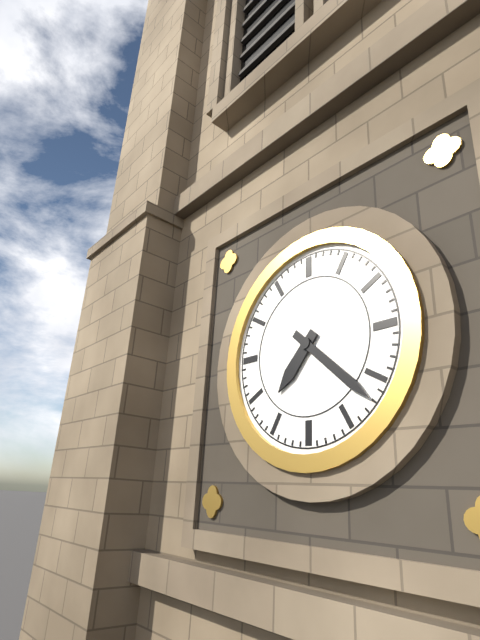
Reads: 7 h 22 min
